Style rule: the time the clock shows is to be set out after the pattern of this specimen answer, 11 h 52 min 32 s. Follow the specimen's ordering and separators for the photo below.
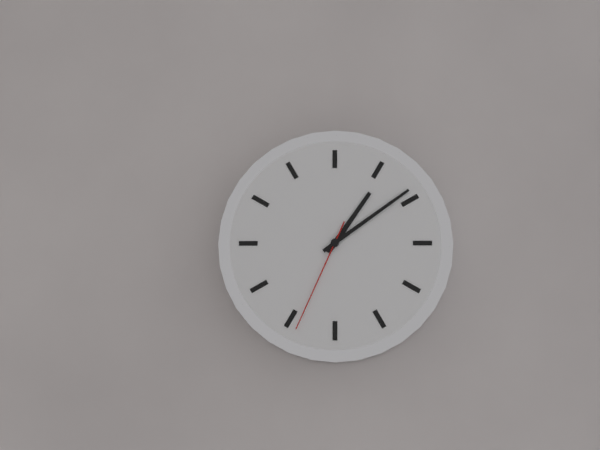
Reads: 1 h 09 min 34 s
